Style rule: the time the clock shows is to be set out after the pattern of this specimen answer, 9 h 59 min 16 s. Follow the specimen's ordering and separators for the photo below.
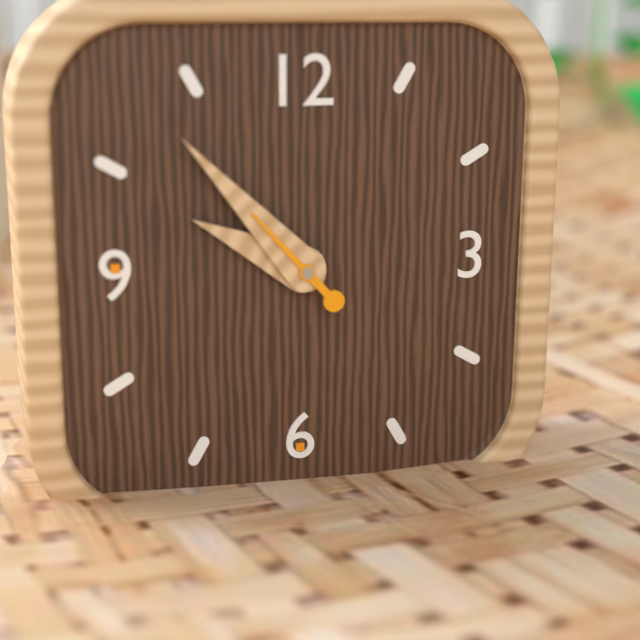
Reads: 9 h 53 min 53 s
